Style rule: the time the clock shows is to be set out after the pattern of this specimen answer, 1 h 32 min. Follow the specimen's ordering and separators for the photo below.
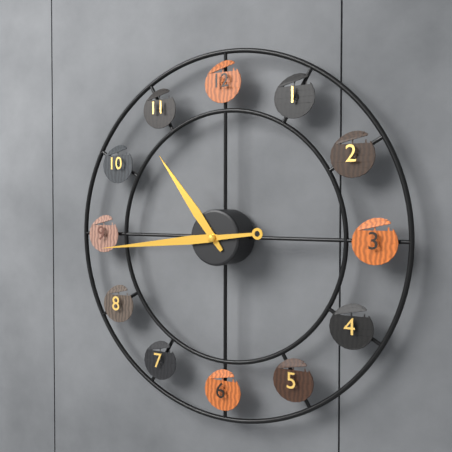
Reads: 10 h 44 min
